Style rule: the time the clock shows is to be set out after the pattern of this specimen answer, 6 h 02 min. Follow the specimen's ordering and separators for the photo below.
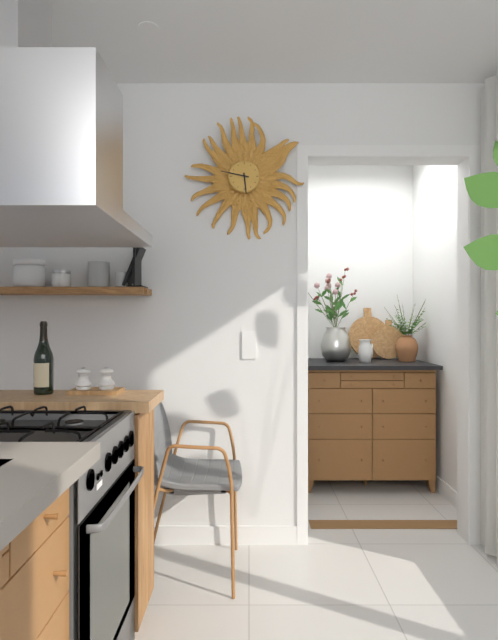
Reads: 5 h 47 min
